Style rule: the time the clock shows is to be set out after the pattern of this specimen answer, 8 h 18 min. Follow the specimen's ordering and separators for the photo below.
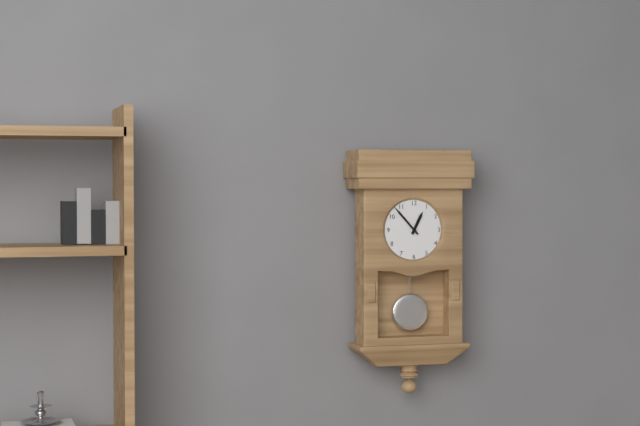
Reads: 12 h 53 min
